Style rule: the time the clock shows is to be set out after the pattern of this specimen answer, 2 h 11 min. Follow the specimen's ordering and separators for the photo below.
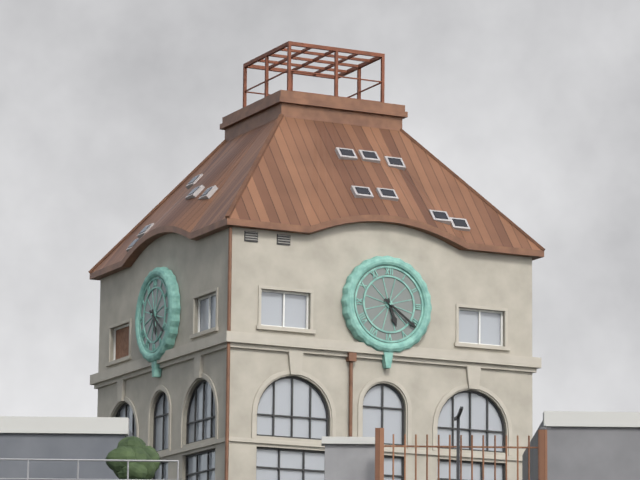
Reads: 5 h 21 min
